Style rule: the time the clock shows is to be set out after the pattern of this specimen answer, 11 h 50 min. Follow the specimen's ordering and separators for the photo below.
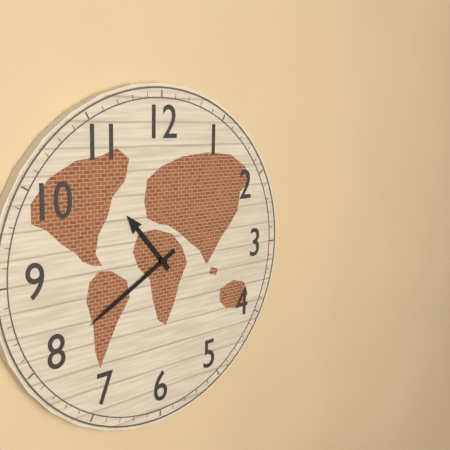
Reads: 10 h 40 min
